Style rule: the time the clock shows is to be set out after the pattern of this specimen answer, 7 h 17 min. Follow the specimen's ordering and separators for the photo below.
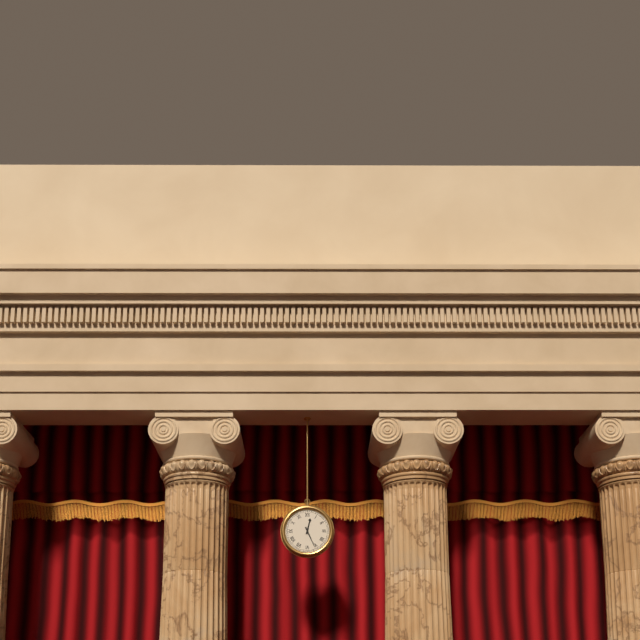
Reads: 12 h 26 min
